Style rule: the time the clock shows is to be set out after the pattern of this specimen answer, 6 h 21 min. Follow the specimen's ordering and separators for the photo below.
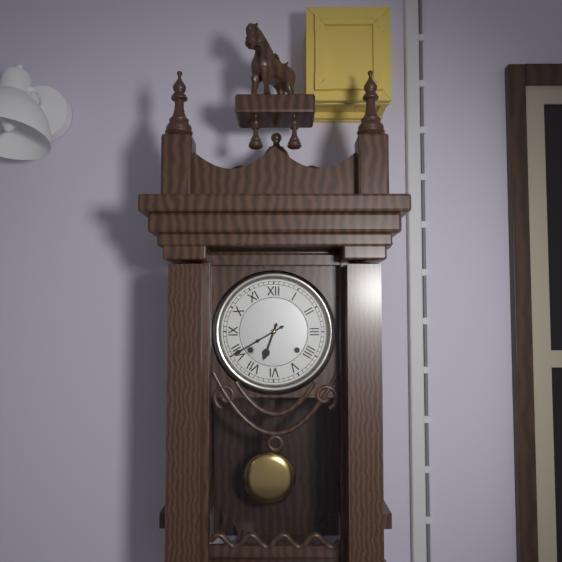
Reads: 6 h 40 min
